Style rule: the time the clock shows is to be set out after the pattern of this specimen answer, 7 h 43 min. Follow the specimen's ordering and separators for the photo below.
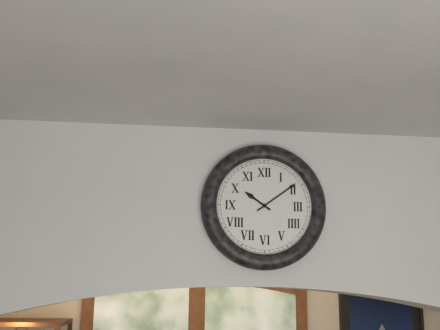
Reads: 10 h 09 min
